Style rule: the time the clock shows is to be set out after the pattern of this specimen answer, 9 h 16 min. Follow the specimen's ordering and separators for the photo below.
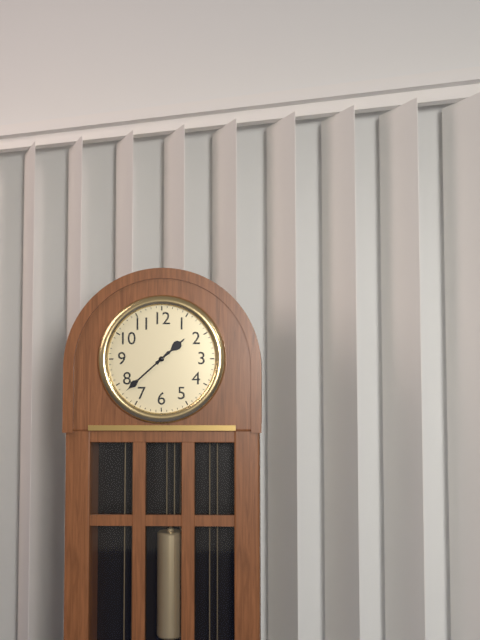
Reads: 1 h 38 min
